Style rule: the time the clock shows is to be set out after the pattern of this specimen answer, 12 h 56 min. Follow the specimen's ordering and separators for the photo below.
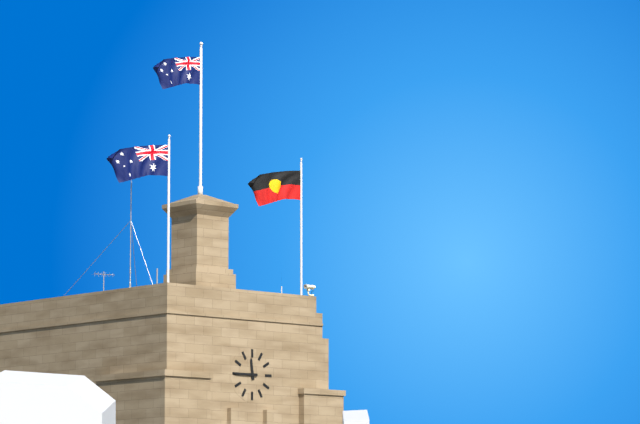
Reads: 11 h 45 min
